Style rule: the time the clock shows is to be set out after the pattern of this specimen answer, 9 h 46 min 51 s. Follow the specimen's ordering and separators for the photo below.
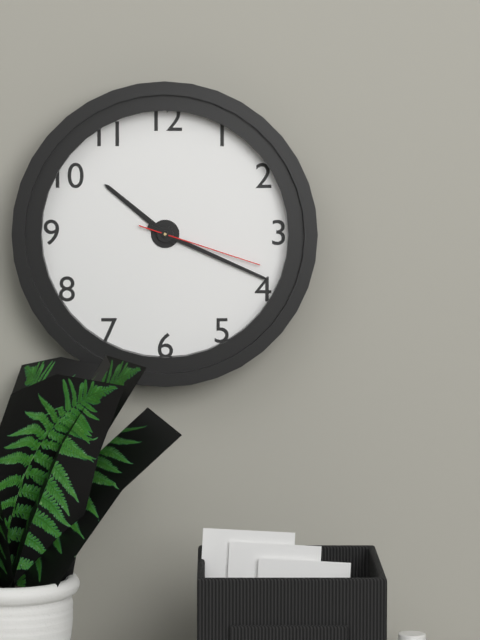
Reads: 10 h 19 min 18 s
